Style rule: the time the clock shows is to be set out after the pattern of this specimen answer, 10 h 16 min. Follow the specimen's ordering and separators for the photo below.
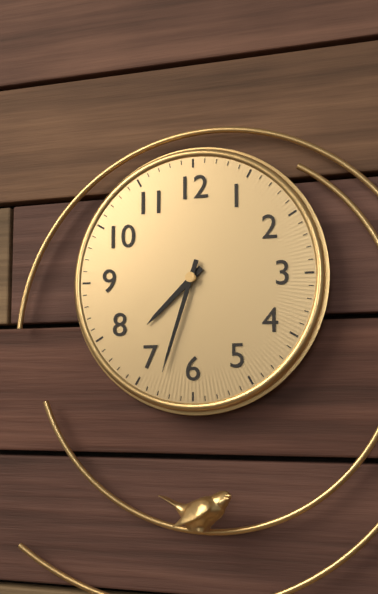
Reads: 7 h 33 min
